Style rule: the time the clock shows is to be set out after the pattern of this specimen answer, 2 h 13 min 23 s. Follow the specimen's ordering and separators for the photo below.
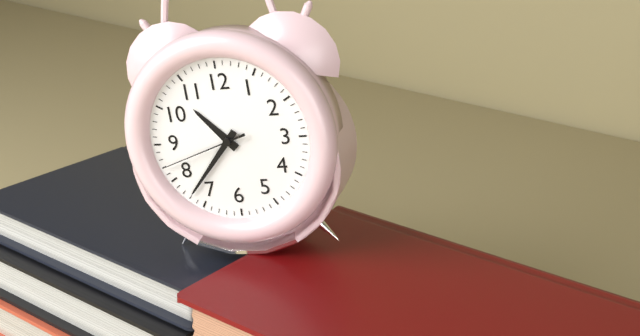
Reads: 10 h 37 min 42 s
